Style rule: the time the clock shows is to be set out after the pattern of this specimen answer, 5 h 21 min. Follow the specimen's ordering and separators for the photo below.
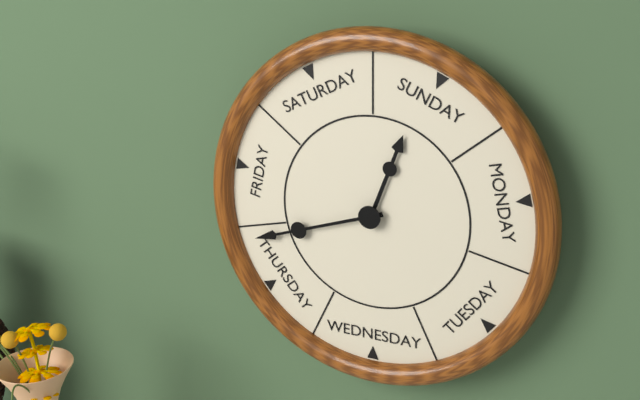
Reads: 12 h 42 min
